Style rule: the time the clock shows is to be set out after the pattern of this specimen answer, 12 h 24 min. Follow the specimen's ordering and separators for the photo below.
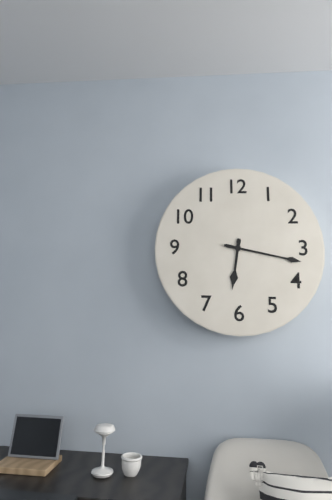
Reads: 6 h 17 min
